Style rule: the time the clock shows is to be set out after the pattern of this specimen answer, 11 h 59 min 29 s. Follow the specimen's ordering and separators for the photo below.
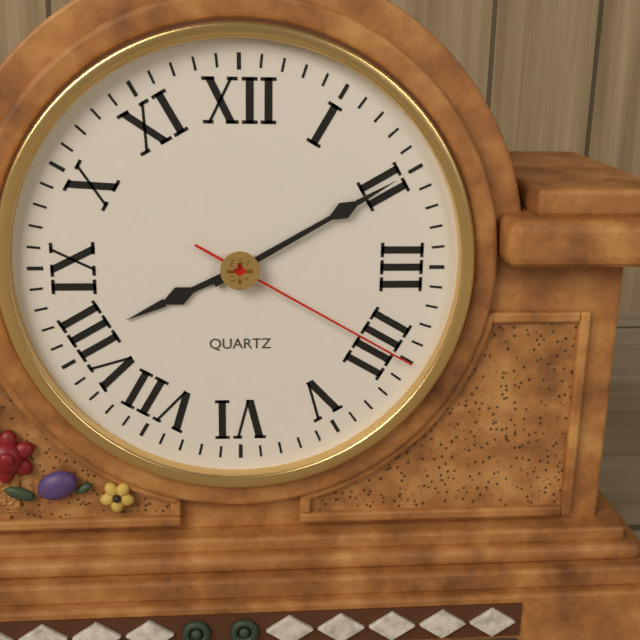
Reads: 8 h 10 min 20 s
